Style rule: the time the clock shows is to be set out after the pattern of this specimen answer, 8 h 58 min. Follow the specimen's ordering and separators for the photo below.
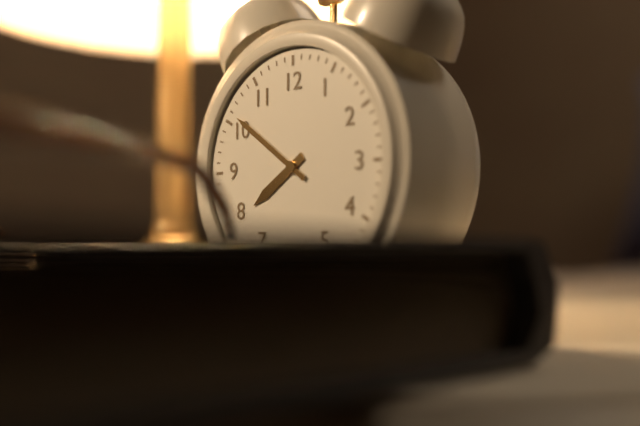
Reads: 7 h 51 min
